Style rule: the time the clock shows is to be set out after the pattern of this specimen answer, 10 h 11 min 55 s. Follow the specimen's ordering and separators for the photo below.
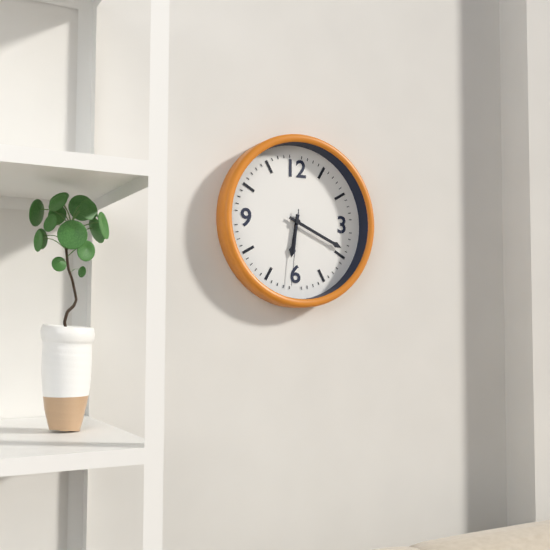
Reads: 6 h 19 min 31 s
